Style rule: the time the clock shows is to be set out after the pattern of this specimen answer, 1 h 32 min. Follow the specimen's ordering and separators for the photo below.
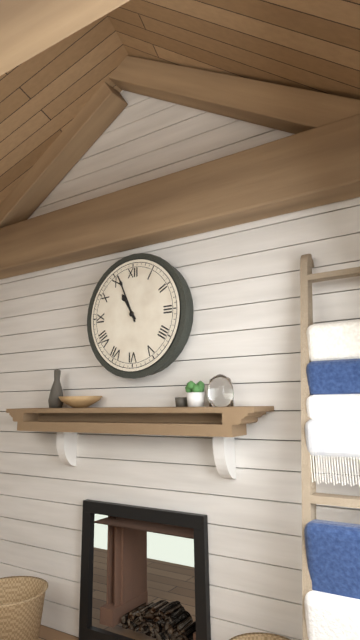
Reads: 10 h 56 min
